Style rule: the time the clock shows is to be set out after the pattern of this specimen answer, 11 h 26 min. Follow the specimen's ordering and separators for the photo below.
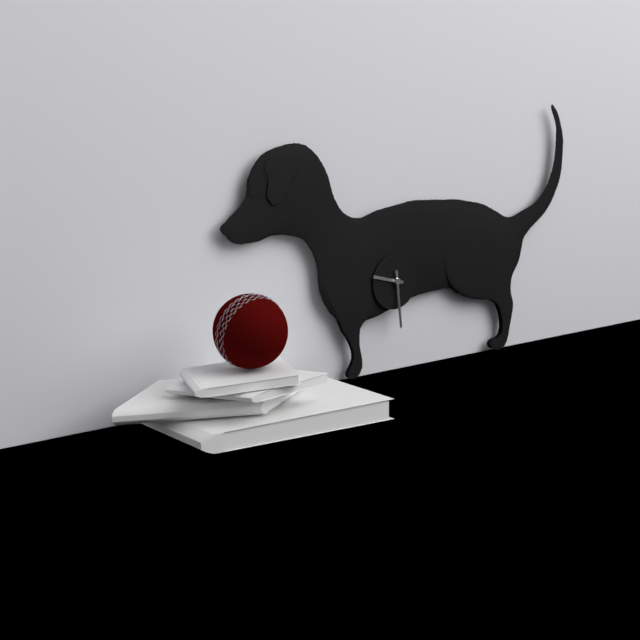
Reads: 9 h 29 min
